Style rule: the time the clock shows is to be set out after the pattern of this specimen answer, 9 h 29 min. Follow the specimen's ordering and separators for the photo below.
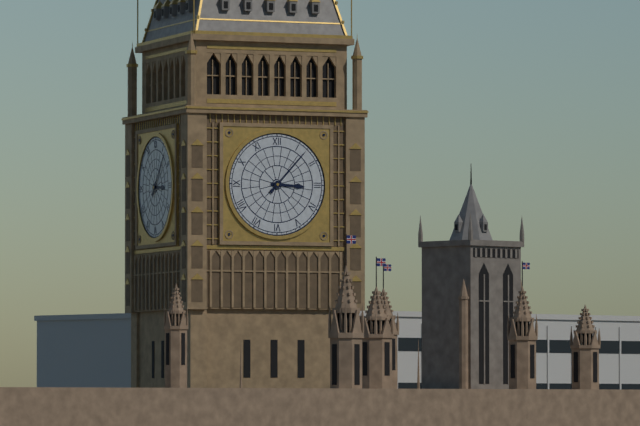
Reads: 3 h 07 min
